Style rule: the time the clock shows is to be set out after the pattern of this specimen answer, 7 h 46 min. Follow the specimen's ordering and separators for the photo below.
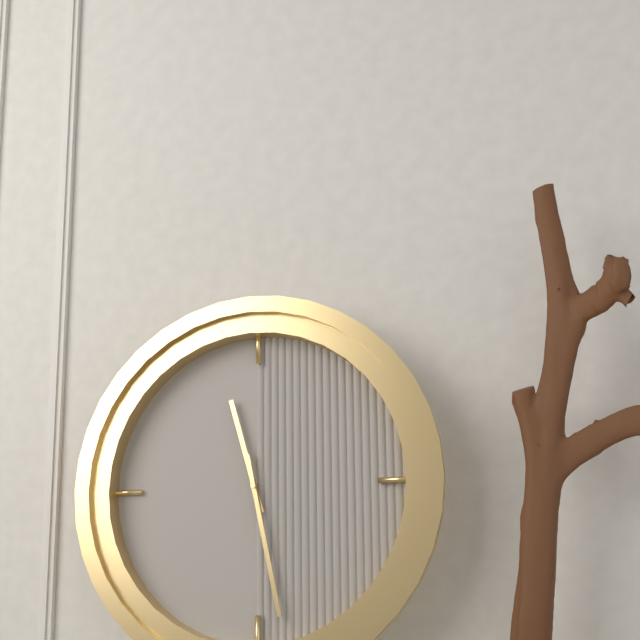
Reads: 11 h 28 min
